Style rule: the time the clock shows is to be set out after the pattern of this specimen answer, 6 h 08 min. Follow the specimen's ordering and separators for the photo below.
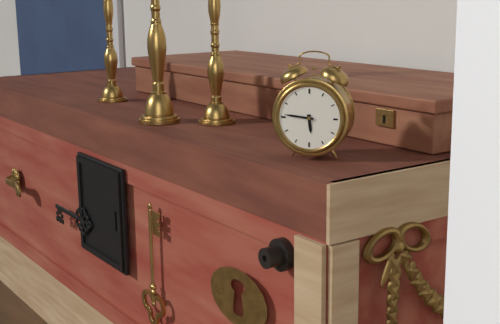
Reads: 5 h 46 min
